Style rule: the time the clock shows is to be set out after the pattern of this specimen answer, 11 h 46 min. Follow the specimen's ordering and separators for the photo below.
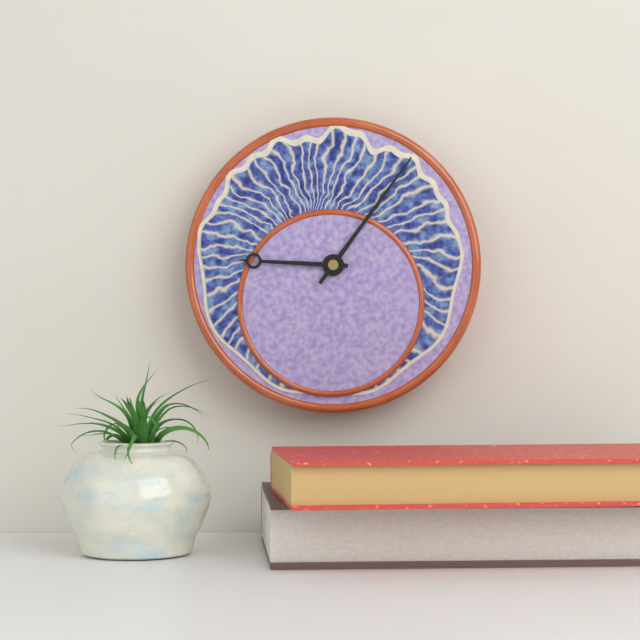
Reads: 9 h 06 min
